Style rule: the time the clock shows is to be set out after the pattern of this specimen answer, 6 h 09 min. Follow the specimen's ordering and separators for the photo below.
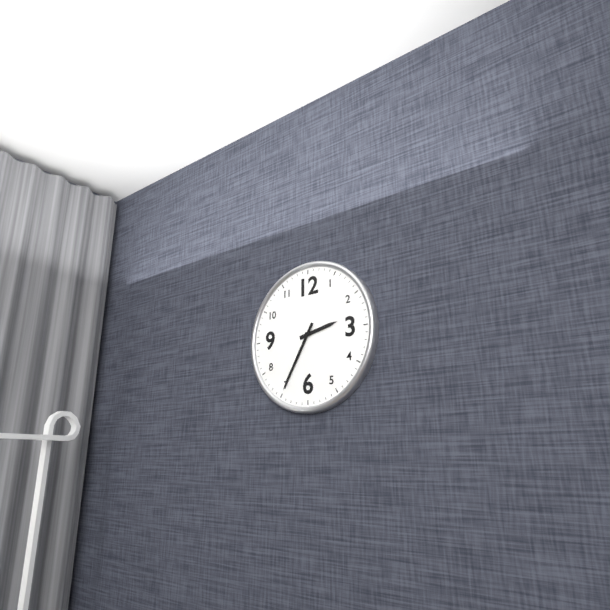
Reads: 2 h 35 min
